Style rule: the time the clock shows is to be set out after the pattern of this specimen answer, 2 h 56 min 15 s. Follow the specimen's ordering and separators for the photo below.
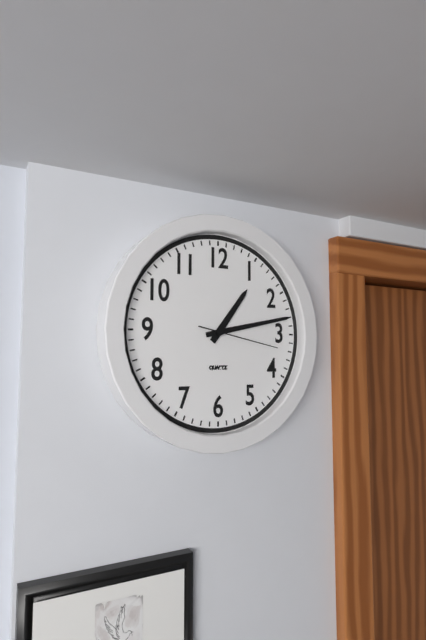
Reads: 1 h 13 min 17 s
